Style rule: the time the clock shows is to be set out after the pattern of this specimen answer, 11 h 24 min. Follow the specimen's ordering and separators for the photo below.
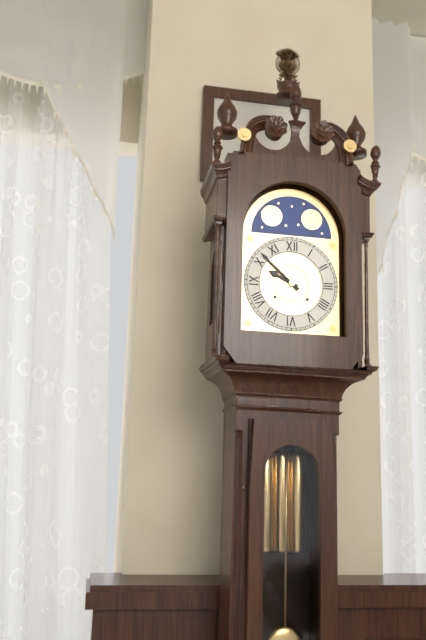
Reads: 9 h 52 min
